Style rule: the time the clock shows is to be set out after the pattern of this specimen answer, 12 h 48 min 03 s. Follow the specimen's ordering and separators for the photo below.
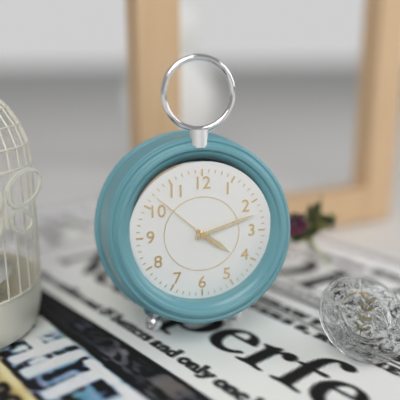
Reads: 4 h 12 min 52 s
